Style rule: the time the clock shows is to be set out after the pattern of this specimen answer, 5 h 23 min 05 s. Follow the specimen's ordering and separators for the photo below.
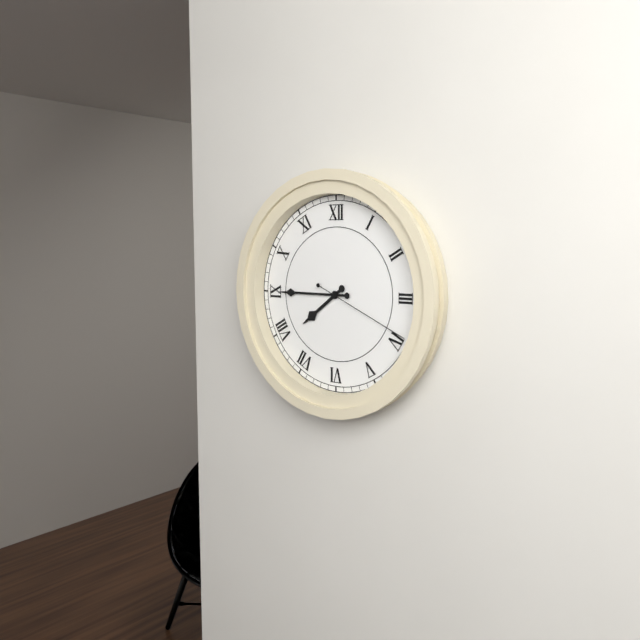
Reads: 7 h 45 min 19 s
